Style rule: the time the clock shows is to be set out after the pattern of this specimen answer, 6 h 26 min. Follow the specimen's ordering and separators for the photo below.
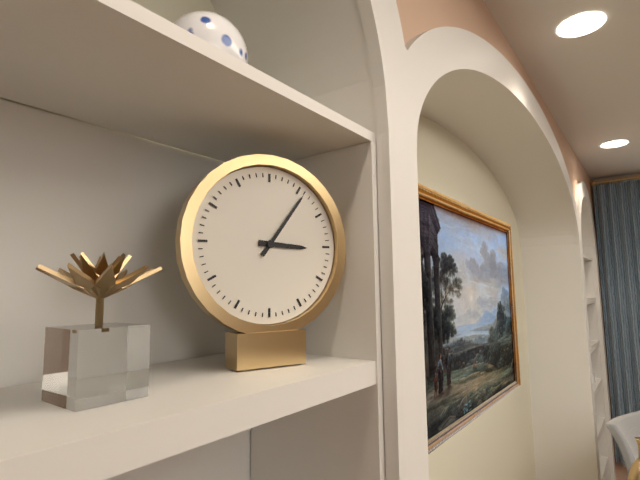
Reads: 3 h 06 min
